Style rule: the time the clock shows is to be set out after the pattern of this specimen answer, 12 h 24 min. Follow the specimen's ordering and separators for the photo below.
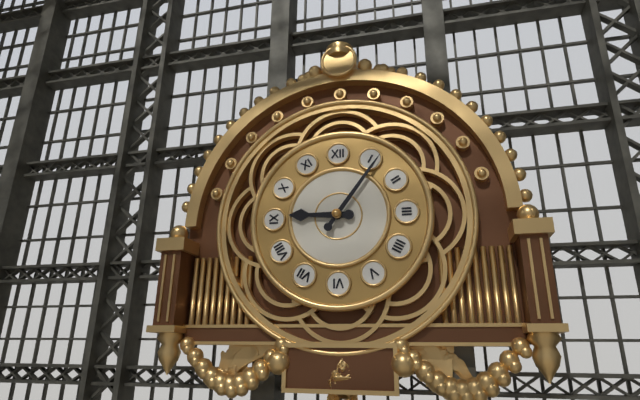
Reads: 9 h 06 min
